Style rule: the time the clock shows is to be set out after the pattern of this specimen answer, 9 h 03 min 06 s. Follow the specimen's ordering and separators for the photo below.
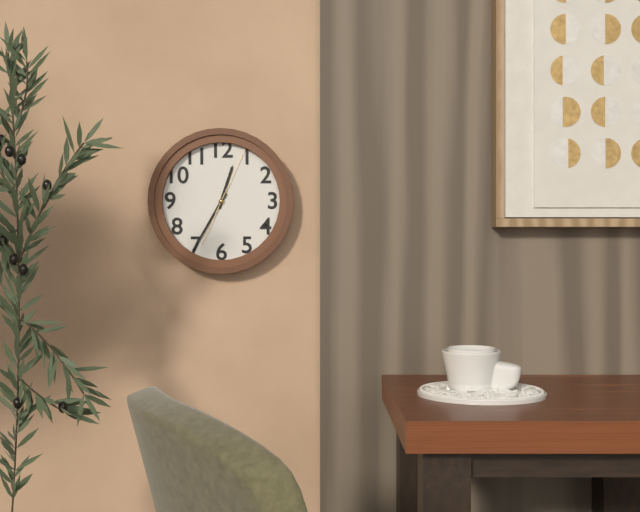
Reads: 12 h 35 min 04 s
